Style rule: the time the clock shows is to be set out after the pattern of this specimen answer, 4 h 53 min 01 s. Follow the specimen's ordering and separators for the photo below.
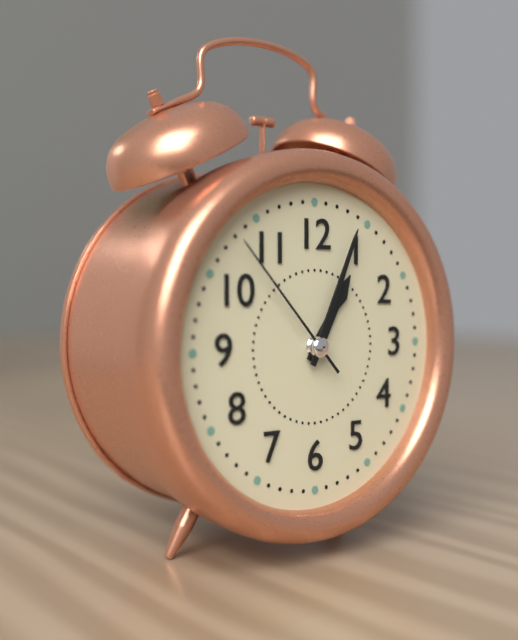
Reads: 1 h 04 min 53 s
